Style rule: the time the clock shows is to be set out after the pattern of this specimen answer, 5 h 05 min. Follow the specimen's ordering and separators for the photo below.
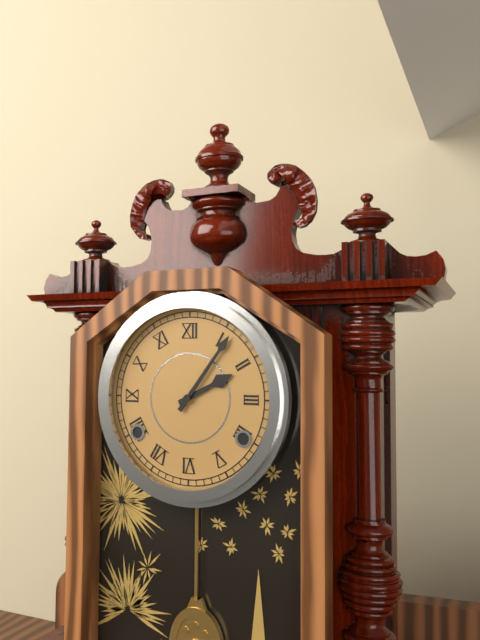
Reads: 2 h 06 min
